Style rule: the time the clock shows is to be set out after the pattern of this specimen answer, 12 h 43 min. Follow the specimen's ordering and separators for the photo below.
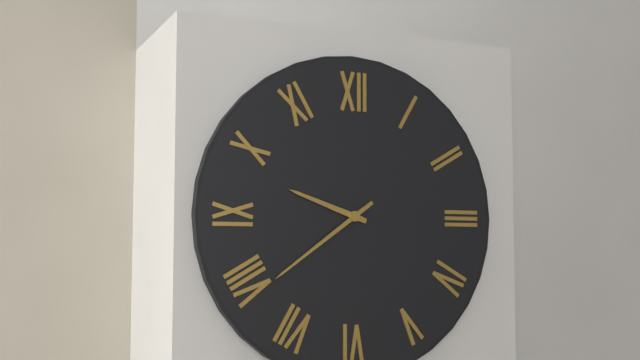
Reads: 9 h 39 min
